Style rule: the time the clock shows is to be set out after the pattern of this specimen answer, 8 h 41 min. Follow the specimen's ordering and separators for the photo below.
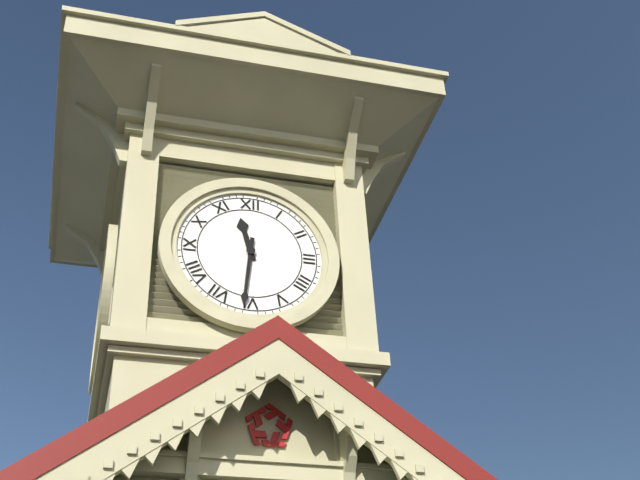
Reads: 11 h 31 min
